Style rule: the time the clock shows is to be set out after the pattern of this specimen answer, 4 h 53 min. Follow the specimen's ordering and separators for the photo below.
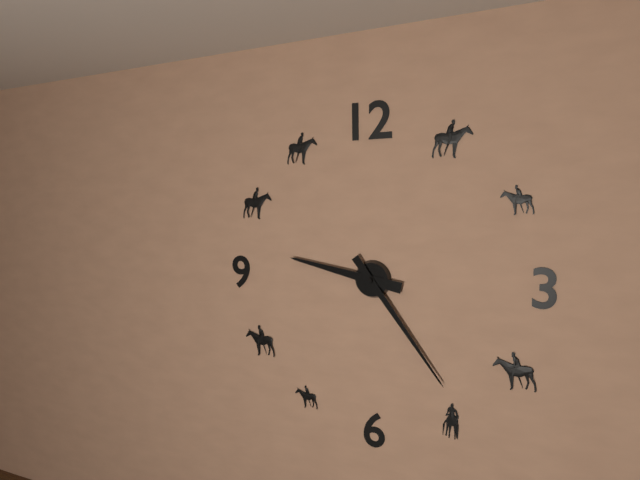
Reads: 9 h 24 min
